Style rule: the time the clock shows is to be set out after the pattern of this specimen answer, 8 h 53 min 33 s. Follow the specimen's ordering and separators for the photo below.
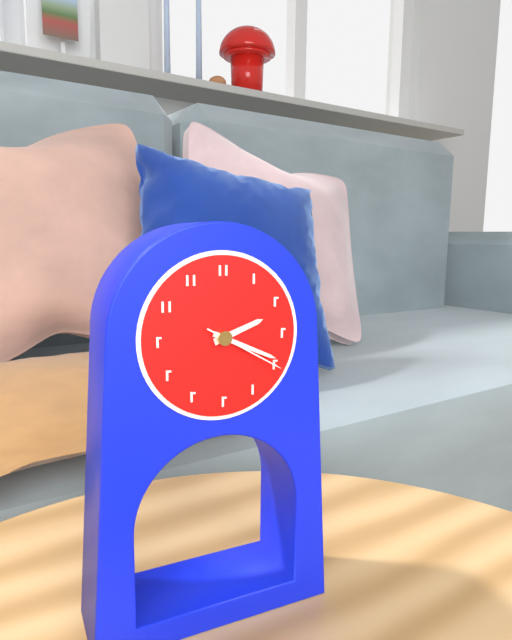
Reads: 2 h 19 min 20 s
